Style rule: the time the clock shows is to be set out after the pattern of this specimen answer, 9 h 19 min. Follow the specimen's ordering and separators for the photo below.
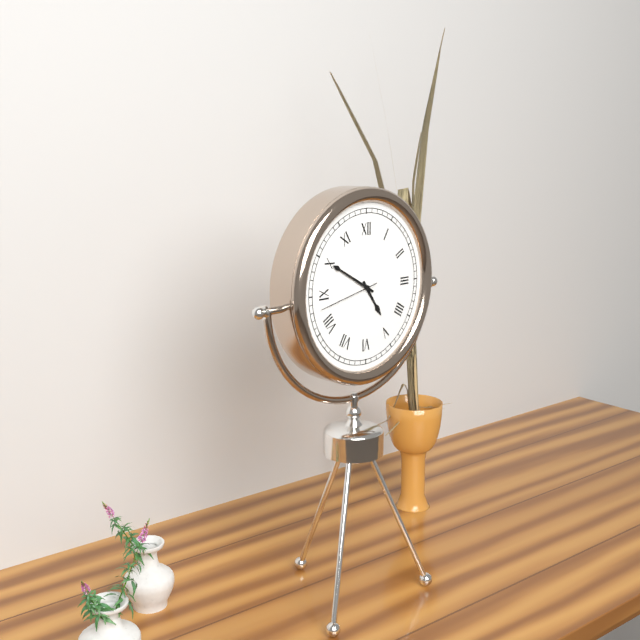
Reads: 4 h 50 min
